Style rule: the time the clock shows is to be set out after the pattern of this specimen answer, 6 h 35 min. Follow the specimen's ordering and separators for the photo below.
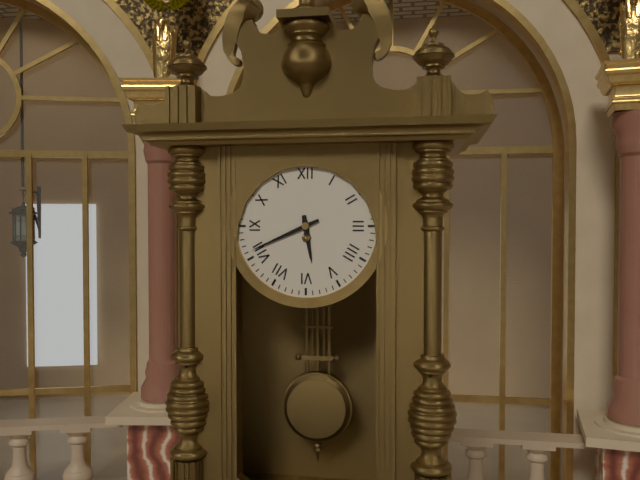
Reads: 5 h 41 min
